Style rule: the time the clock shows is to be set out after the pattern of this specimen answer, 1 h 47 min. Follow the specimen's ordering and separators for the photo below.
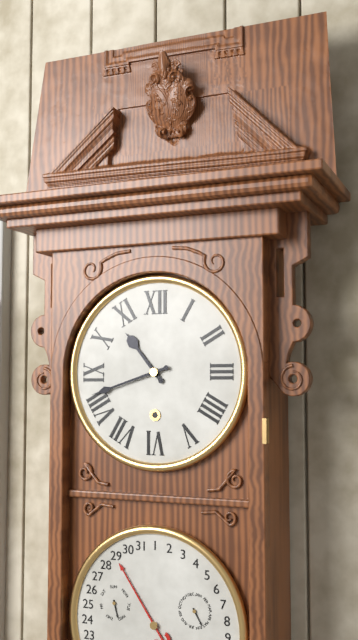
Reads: 10 h 42 min
